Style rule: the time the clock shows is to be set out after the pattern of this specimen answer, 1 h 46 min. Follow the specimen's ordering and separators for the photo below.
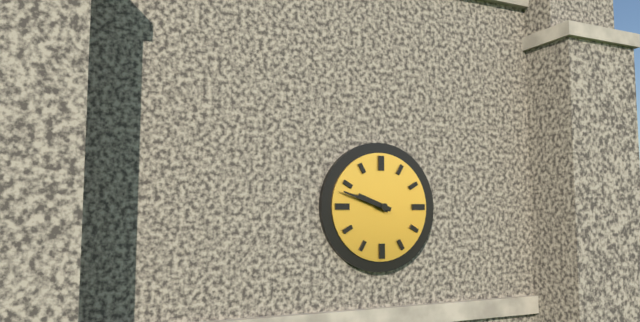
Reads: 9 h 48 min
